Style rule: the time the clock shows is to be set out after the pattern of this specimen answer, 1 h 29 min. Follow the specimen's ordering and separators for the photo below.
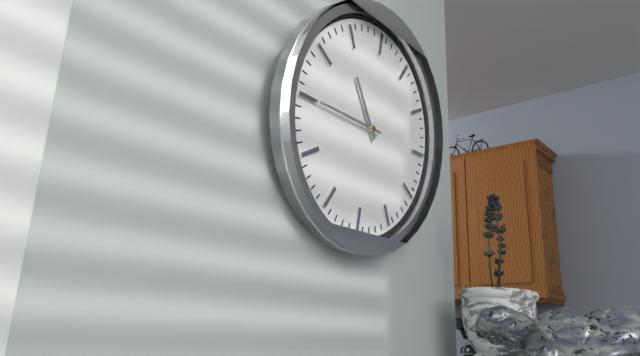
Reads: 10 h 45 min
